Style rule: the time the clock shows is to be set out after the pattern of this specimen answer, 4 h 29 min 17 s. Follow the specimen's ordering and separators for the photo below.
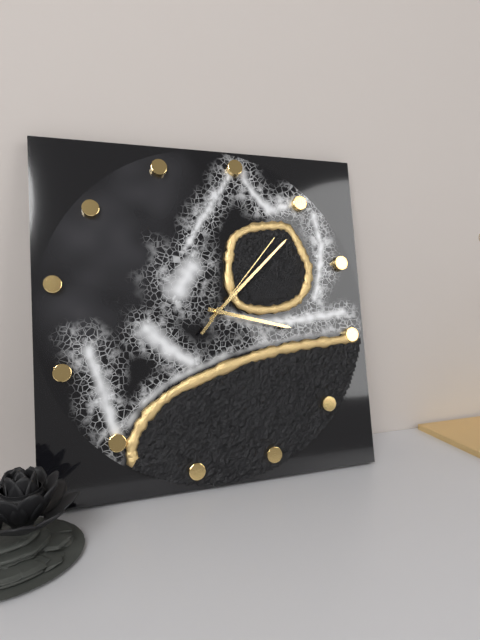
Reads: 3 h 06 min 05 s
